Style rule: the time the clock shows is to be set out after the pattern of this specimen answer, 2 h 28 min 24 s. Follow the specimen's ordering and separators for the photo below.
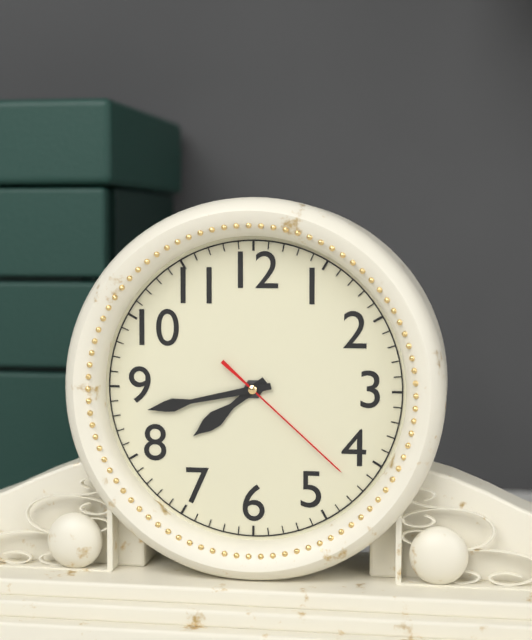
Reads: 7 h 43 min 22 s
